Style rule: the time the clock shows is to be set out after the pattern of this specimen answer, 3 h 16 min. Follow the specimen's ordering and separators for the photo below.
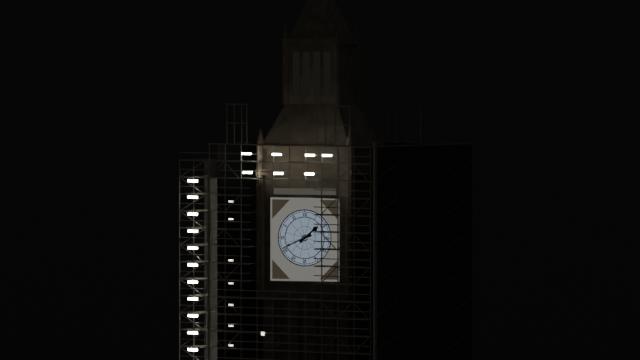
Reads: 1 h 41 min
